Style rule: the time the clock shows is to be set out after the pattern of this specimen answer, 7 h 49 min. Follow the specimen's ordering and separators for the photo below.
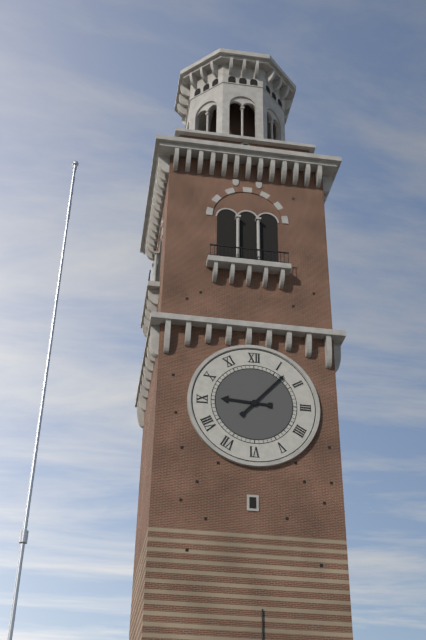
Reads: 9 h 07 min
